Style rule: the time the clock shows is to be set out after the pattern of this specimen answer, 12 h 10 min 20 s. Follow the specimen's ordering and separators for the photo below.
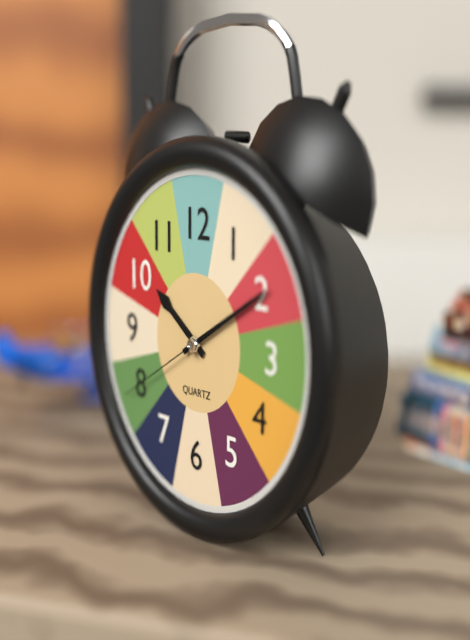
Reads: 10 h 10 min 40 s
